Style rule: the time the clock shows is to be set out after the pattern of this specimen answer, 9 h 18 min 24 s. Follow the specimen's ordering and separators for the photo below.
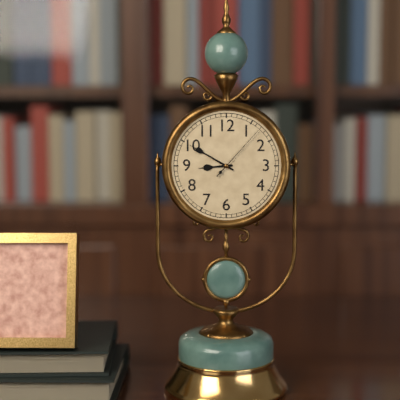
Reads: 8 h 50 min 07 s
